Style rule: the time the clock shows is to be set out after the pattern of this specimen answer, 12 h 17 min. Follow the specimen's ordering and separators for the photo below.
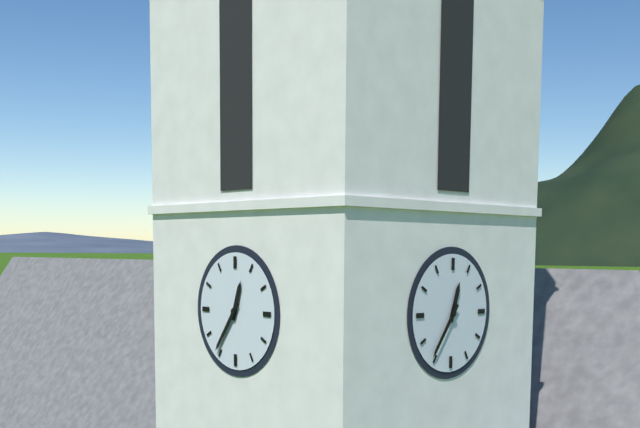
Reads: 12 h 36 min
